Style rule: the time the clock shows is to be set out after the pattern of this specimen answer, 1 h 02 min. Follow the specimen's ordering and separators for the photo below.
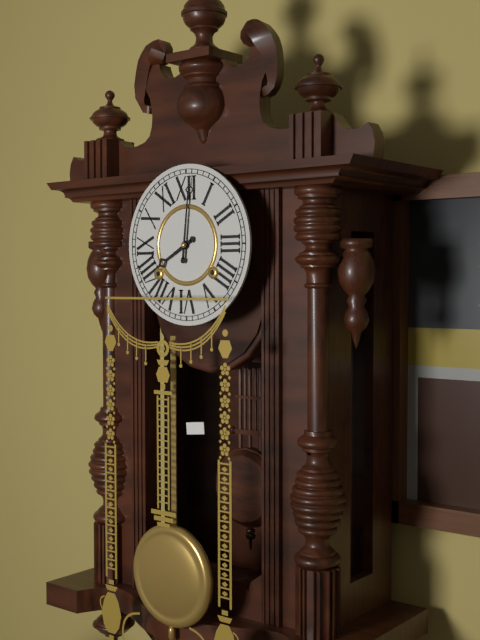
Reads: 8 h 01 min
